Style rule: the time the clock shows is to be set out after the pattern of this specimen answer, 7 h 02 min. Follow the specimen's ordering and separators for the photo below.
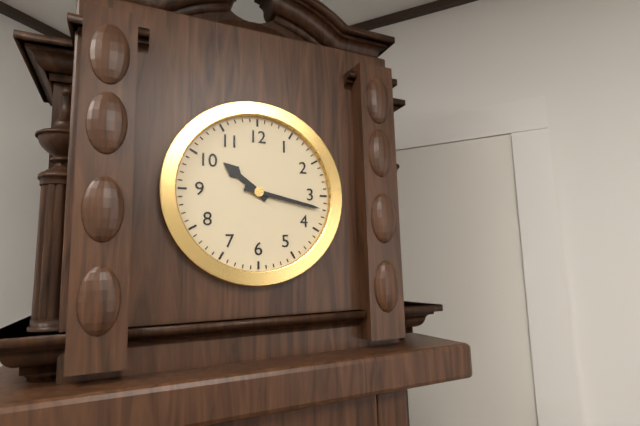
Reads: 10 h 17 min
